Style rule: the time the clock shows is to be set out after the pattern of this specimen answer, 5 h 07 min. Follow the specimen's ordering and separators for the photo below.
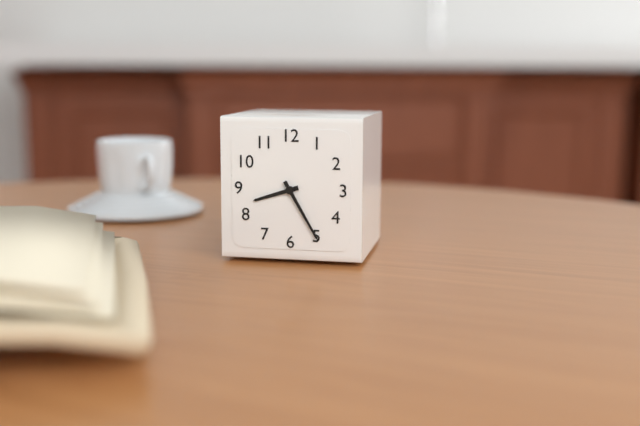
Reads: 8 h 25 min
